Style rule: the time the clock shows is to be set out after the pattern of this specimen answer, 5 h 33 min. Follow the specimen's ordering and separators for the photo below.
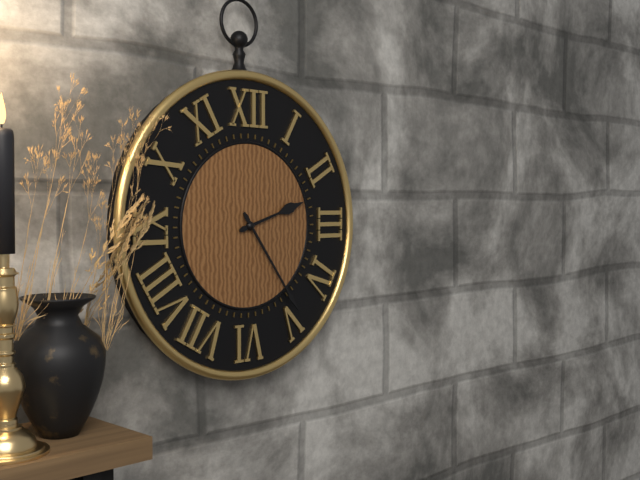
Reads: 2 h 24 min
